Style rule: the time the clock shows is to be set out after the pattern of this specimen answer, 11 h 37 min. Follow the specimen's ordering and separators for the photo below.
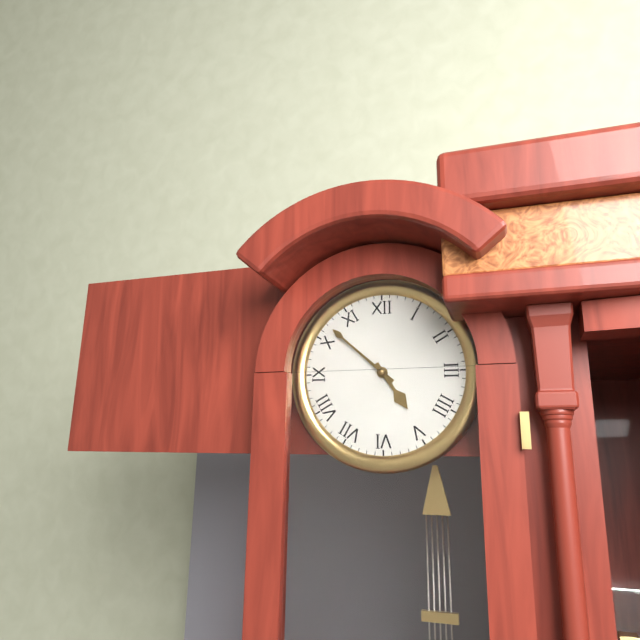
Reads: 4 h 52 min
